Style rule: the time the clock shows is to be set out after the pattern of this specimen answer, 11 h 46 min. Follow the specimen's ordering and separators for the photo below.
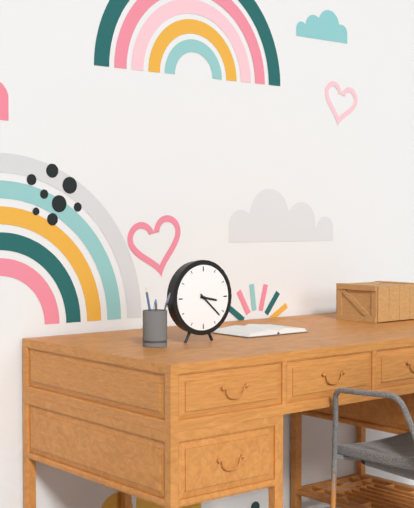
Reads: 3 h 22 min
